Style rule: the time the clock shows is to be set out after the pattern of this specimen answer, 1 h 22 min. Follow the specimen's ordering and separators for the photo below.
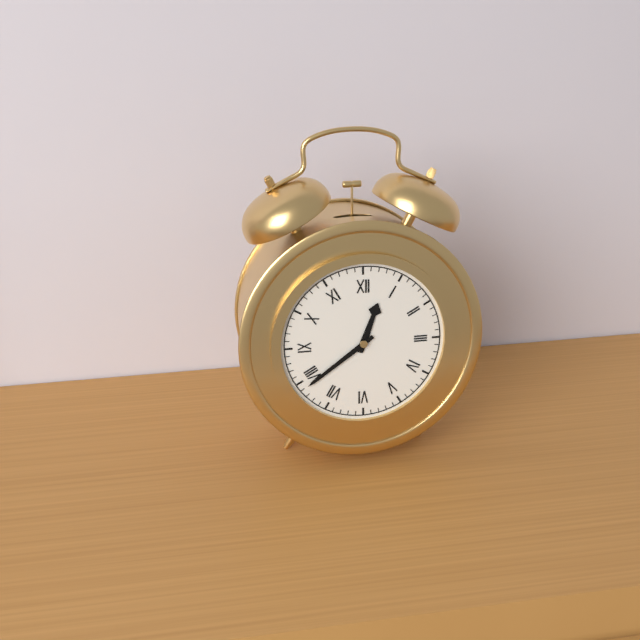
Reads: 12 h 39 min
